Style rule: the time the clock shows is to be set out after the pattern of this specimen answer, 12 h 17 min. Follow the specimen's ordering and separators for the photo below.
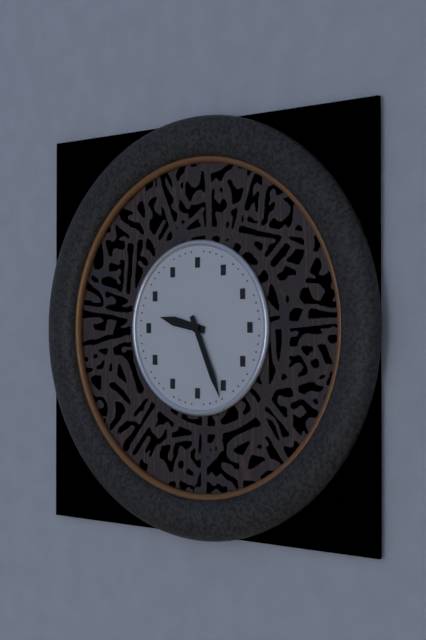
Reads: 9 h 26 min
